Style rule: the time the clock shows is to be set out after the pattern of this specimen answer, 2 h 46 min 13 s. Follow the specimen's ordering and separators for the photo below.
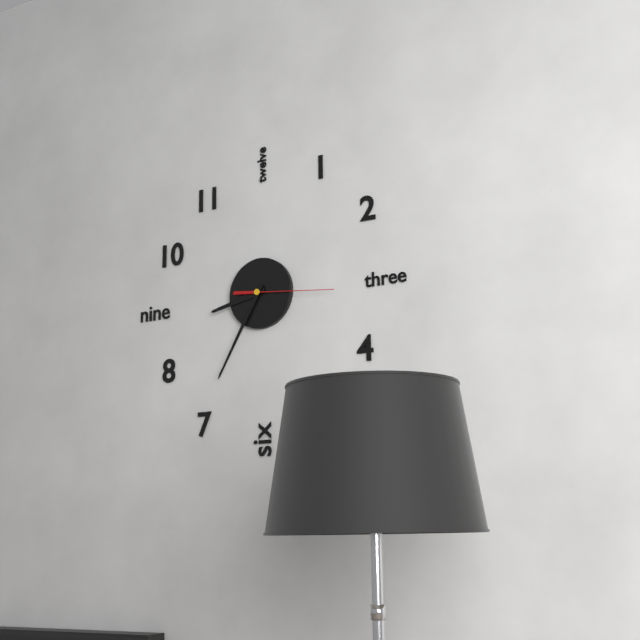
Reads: 8 h 35 min 16 s
